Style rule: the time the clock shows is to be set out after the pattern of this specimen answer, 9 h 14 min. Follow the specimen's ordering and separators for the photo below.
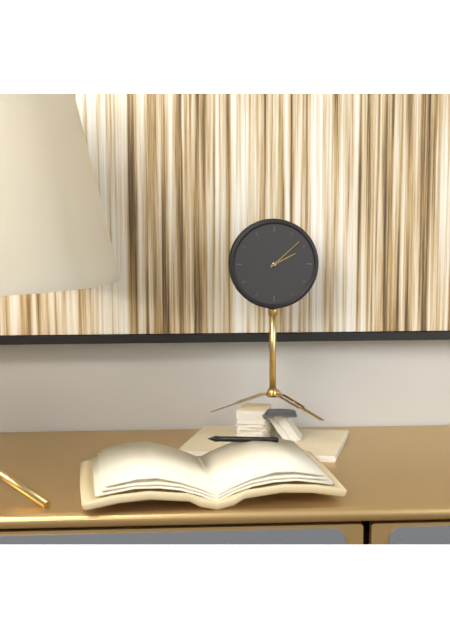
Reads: 2 h 08 min
